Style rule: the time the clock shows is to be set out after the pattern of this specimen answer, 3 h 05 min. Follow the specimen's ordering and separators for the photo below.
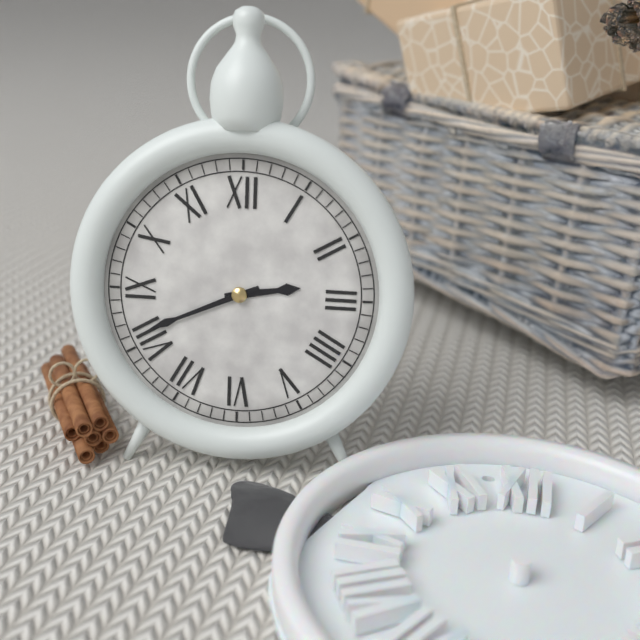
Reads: 2 h 41 min
